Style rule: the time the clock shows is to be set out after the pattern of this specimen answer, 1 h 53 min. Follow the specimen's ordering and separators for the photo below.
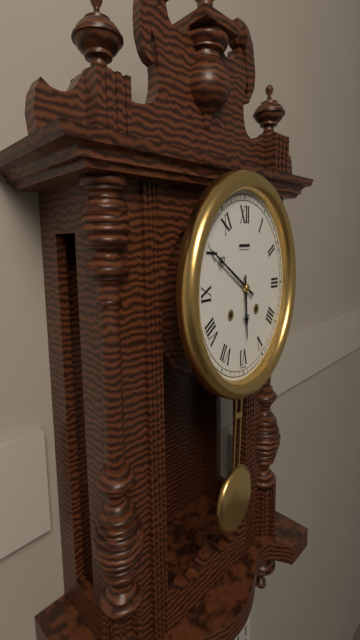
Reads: 5 h 50 min
